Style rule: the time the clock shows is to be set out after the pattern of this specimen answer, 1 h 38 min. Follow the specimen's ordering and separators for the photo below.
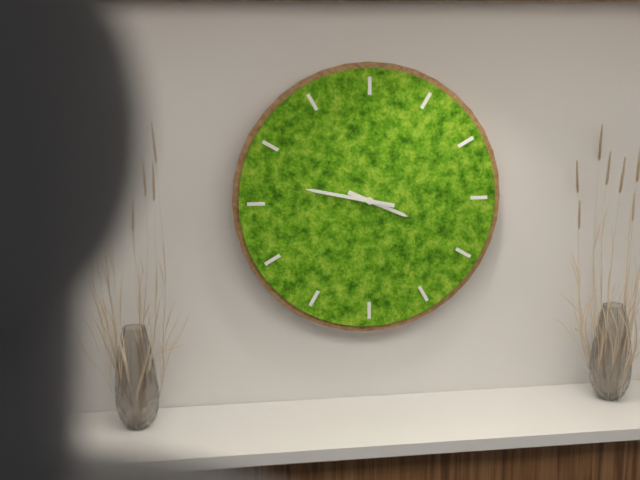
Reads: 3 h 47 min
